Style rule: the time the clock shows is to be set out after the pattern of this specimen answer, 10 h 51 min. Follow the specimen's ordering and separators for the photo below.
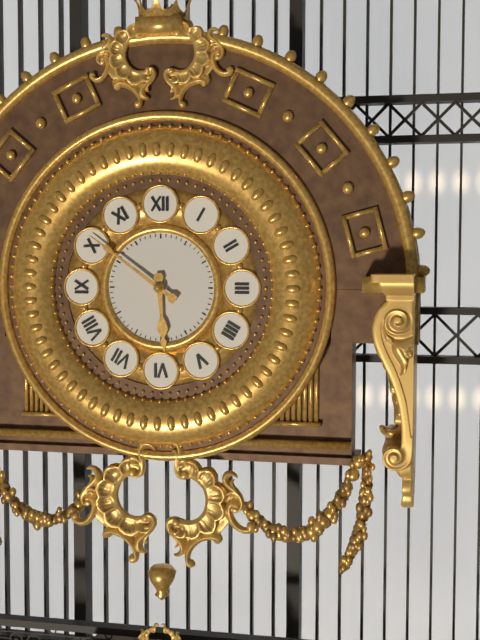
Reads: 5 h 51 min
